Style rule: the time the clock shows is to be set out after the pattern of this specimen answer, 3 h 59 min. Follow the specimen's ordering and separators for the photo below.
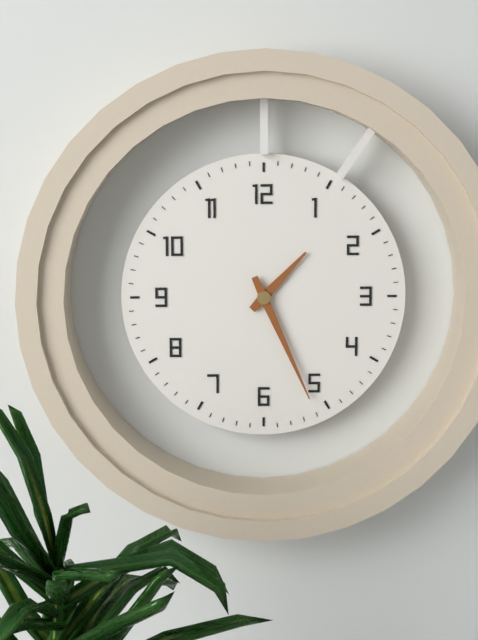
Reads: 1 h 26 min
